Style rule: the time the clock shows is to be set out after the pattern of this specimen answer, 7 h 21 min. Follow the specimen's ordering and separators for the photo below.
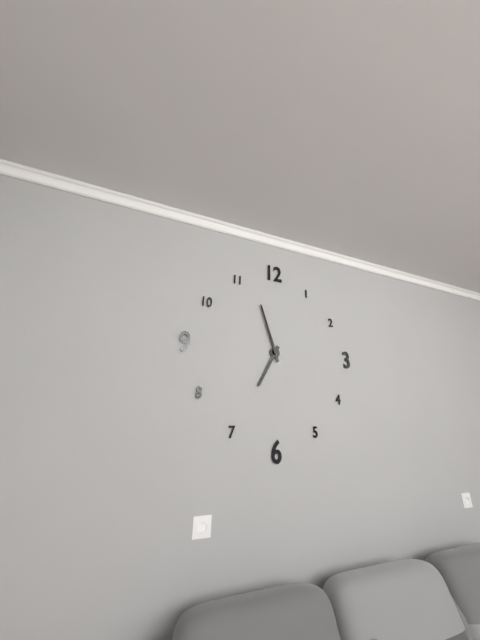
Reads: 6 h 57 min
